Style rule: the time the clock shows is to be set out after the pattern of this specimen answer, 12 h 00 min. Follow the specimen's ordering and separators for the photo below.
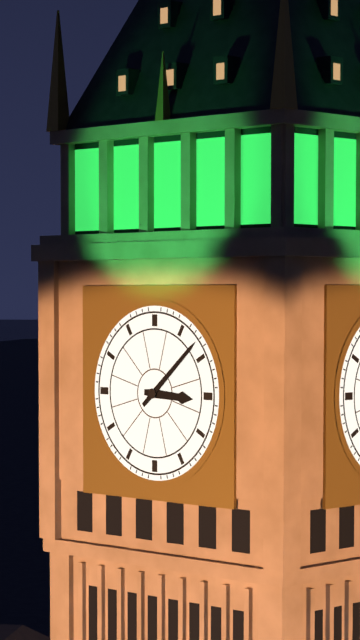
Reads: 3 h 08 min
